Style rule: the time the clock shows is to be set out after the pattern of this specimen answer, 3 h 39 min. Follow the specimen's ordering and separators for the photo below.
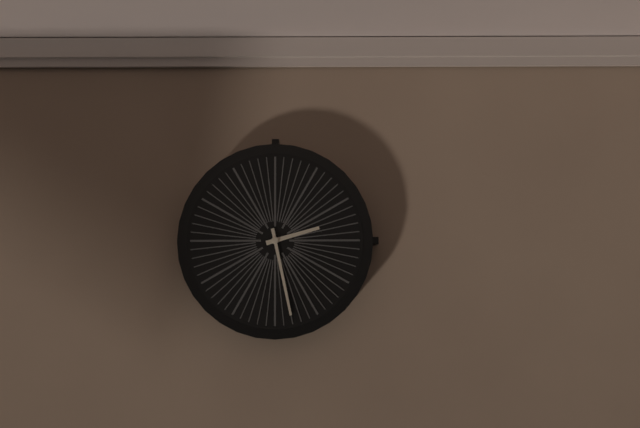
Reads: 2 h 28 min
